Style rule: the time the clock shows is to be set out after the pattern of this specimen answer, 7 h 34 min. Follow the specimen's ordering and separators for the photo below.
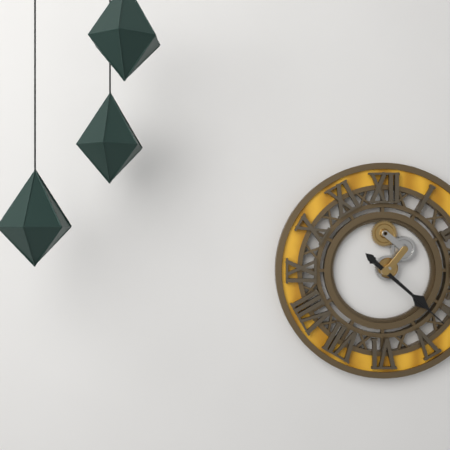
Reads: 4 h 22 min
